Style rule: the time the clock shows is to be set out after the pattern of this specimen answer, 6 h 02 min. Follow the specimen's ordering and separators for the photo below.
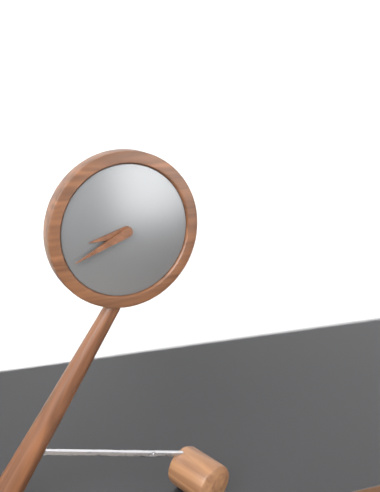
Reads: 8 h 41 min
